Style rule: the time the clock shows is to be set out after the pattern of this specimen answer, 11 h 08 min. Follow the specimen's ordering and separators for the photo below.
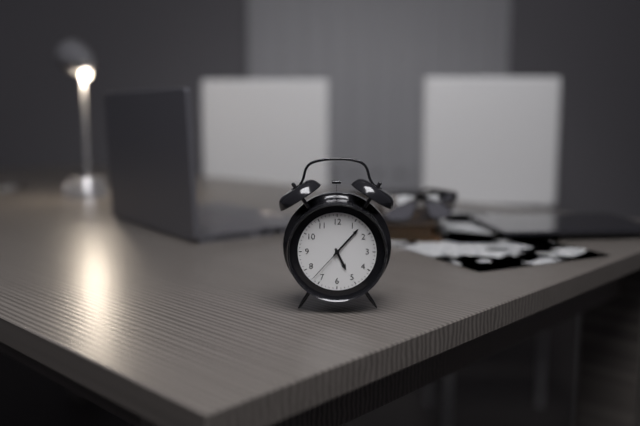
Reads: 5 h 07 min
